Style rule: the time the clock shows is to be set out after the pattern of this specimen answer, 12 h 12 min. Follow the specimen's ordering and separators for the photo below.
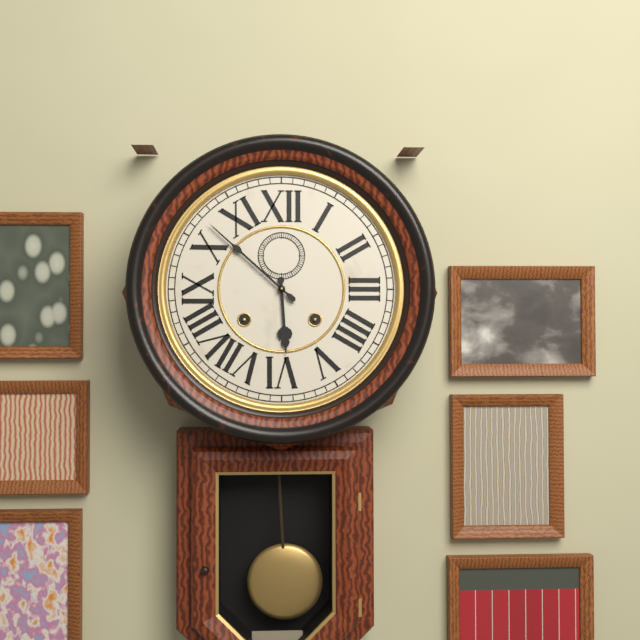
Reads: 5 h 52 min
